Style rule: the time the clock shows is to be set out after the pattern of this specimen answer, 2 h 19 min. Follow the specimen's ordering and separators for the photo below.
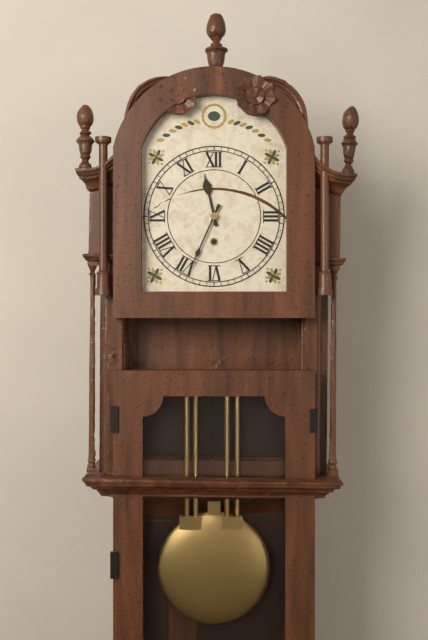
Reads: 11 h 34 min
